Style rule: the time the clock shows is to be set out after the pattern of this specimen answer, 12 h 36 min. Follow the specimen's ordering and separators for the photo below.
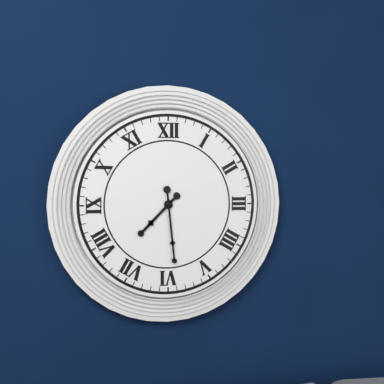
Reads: 7 h 29 min
